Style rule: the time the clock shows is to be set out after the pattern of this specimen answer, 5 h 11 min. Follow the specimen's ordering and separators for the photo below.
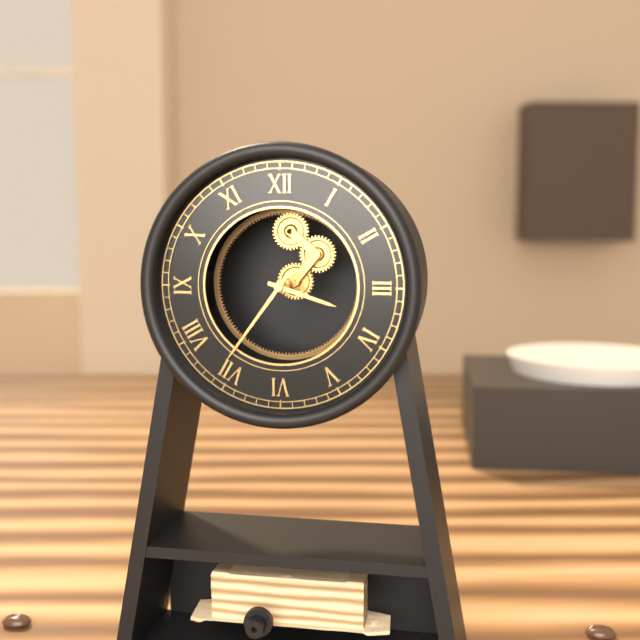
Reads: 3 h 36 min
